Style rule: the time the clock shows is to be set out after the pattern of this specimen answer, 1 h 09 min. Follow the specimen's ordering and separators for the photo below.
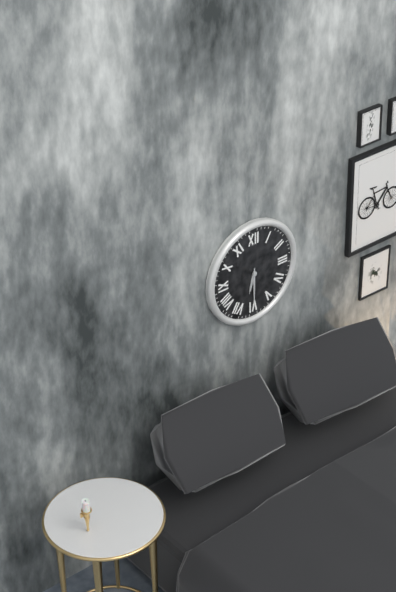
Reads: 6 h 30 min
